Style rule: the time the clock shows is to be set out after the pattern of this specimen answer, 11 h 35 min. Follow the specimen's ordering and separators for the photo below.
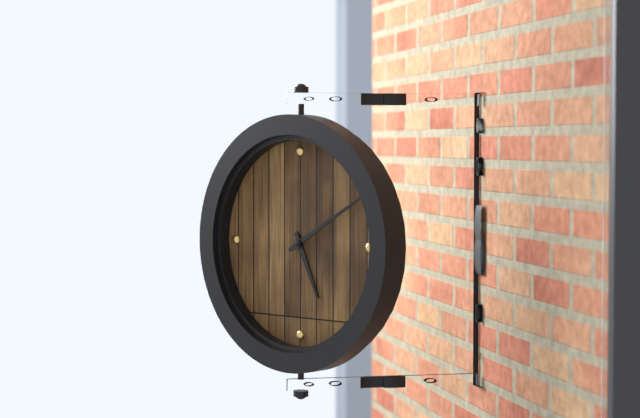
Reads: 5 h 10 min
